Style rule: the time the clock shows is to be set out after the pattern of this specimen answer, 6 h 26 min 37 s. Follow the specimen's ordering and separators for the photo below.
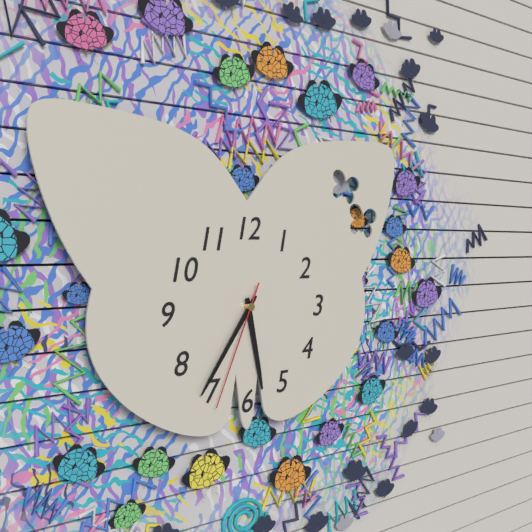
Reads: 5 h 36 min 34 s
